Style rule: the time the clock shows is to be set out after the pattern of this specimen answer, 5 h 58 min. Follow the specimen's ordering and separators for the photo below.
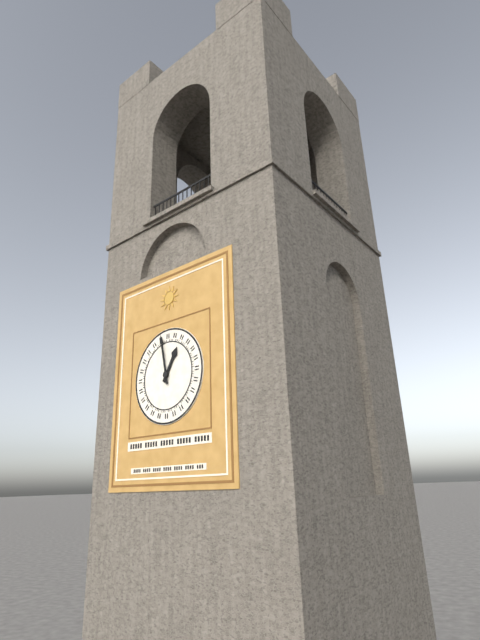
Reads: 12 h 58 min
